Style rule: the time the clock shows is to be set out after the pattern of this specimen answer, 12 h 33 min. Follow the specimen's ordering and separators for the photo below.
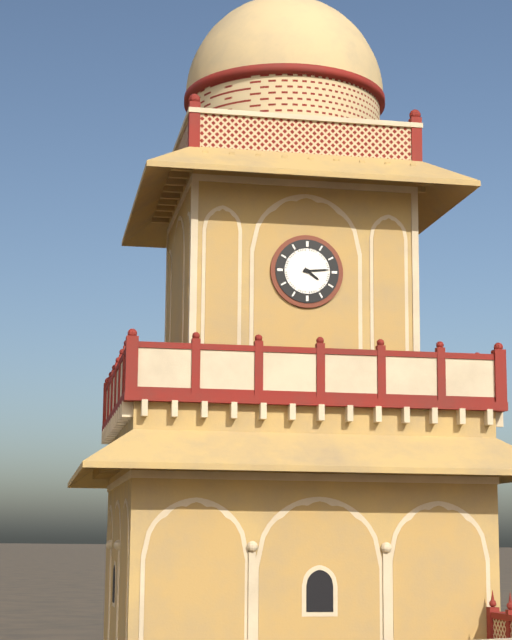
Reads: 4 h 14 min
